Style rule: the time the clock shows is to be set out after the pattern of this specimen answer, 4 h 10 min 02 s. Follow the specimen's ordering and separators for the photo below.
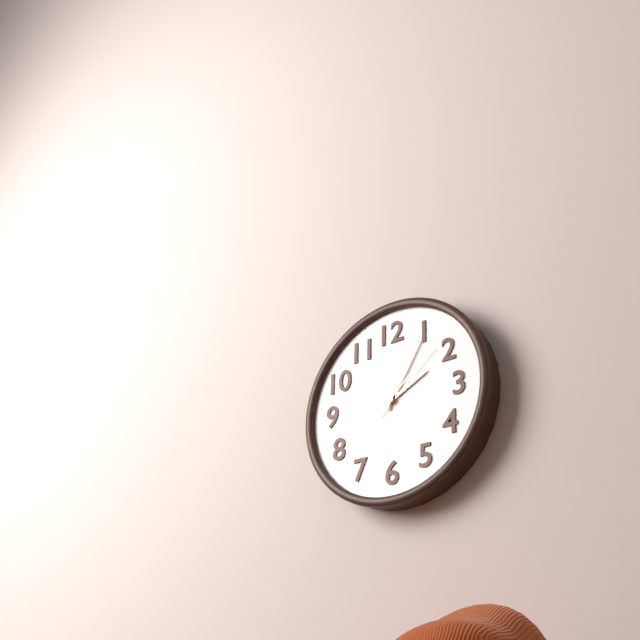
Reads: 2 h 05 min 08 s
